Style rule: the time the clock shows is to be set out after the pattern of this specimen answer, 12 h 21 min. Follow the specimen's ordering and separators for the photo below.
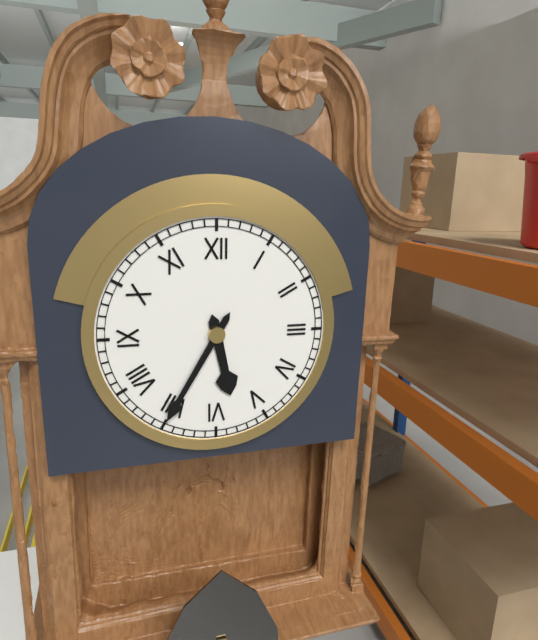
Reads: 5 h 35 min
